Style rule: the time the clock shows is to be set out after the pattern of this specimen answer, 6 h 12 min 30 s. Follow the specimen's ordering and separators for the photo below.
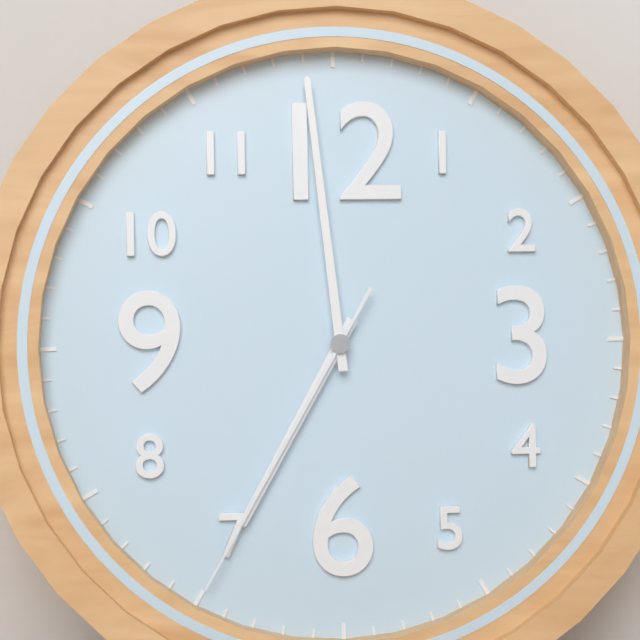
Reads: 6 h 59 min 35 s
